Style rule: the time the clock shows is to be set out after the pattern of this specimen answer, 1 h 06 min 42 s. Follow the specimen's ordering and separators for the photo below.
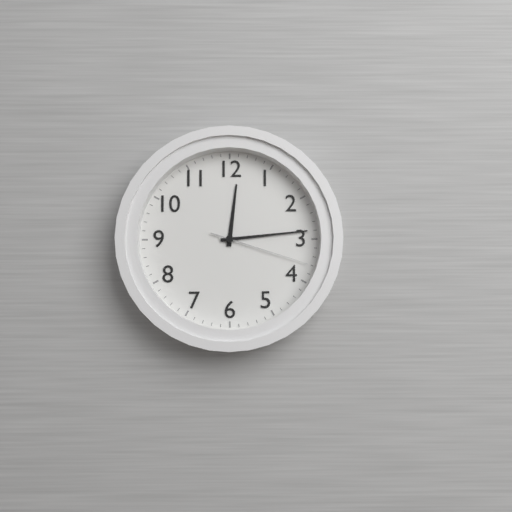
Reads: 12 h 14 min 18 s
